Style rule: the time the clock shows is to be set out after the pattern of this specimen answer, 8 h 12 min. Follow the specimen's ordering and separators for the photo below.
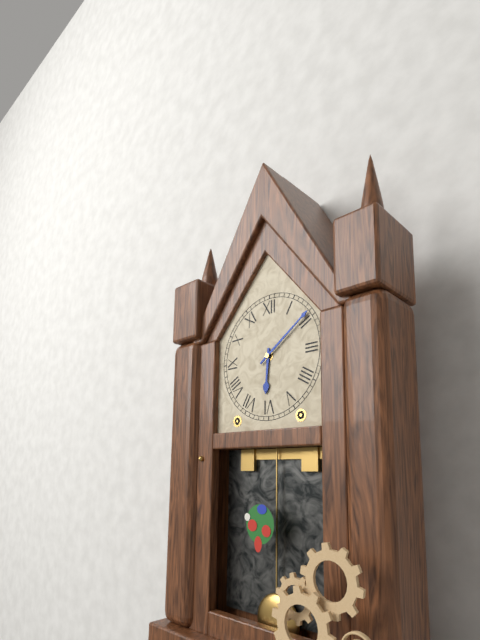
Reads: 6 h 09 min
